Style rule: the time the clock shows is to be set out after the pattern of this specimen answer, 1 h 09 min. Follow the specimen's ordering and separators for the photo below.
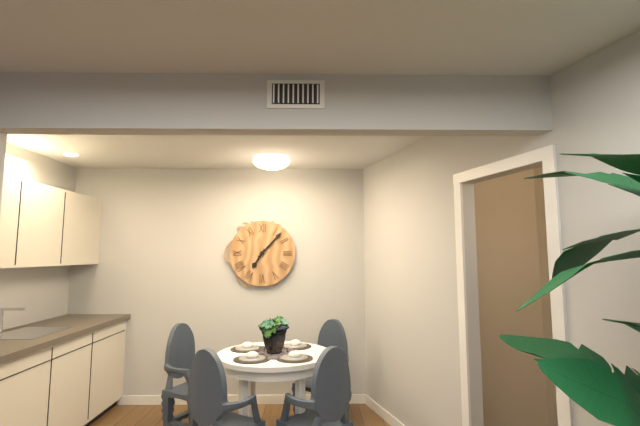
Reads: 7 h 07 min
